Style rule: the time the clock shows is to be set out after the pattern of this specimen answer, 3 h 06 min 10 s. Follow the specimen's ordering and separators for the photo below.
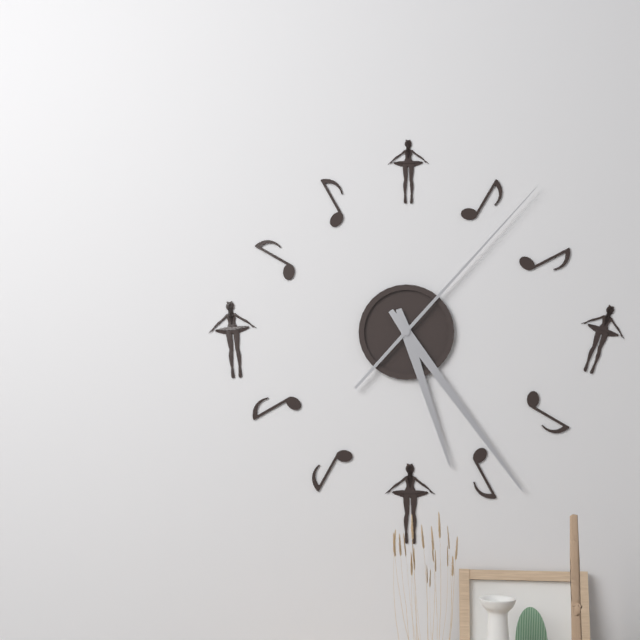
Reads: 5 h 24 min 07 s
